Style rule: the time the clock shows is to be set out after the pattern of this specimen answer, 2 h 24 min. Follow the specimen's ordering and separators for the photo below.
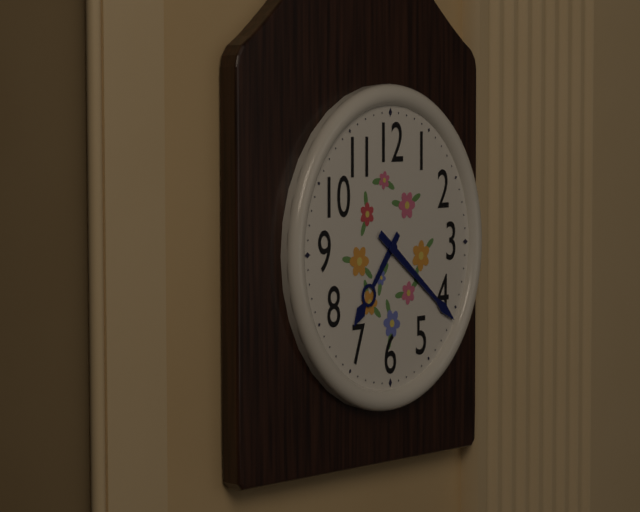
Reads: 7 h 21 min
